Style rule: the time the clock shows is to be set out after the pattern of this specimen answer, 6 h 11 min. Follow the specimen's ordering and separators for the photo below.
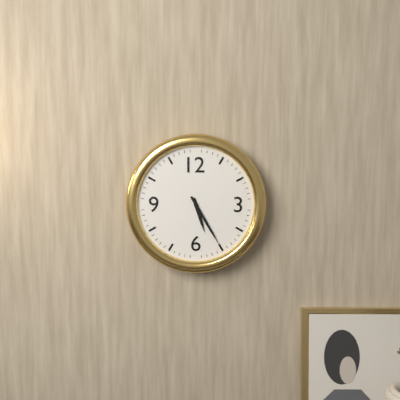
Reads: 5 h 25 min
